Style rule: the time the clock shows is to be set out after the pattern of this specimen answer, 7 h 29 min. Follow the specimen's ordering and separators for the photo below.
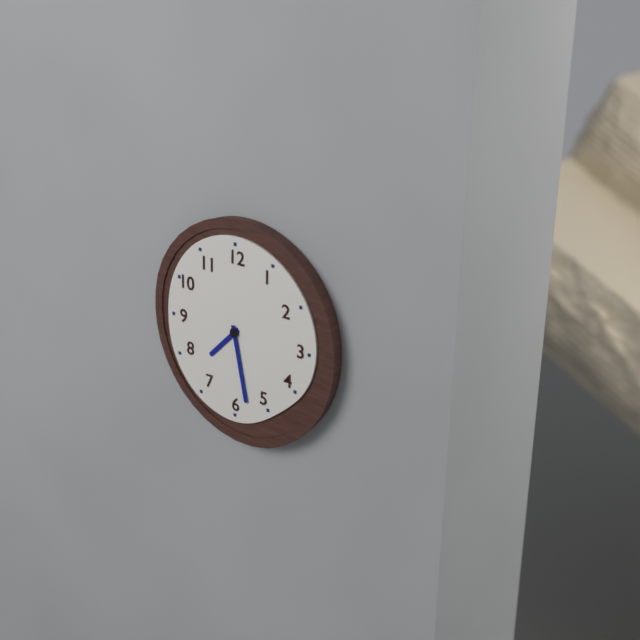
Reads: 7 h 28 min
